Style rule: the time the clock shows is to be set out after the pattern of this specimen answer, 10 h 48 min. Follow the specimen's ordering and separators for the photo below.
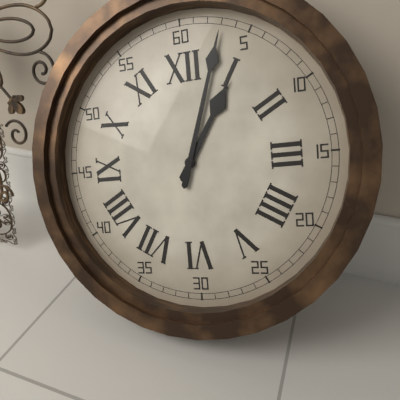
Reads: 1 h 03 min
